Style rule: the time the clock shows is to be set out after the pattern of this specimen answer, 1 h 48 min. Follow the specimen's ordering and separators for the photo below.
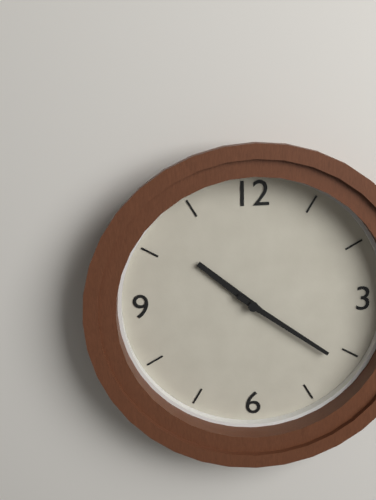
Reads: 10 h 21 min
